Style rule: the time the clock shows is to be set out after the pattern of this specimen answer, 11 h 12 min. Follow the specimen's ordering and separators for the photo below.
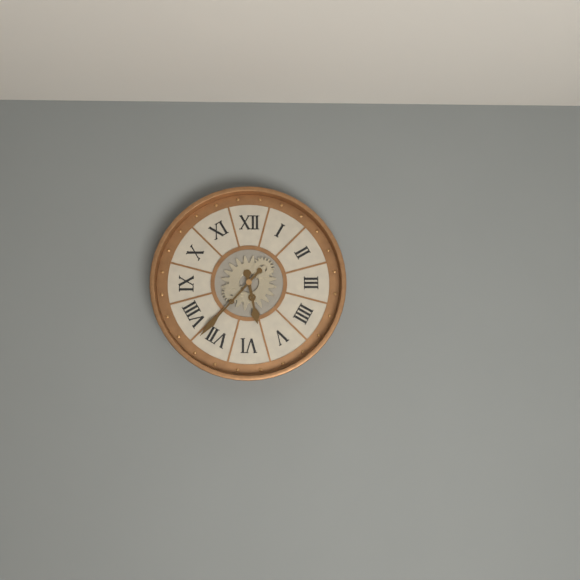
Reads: 5 h 37 min
